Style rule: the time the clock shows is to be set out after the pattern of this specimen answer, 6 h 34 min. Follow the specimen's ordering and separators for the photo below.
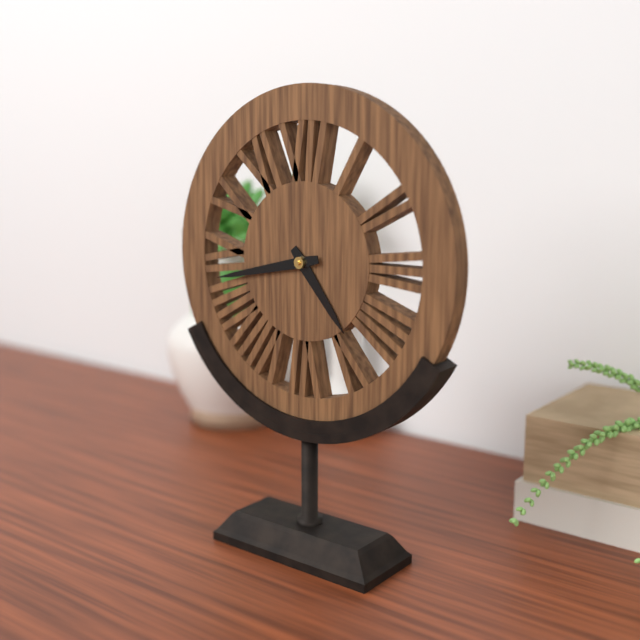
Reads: 4 h 43 min
